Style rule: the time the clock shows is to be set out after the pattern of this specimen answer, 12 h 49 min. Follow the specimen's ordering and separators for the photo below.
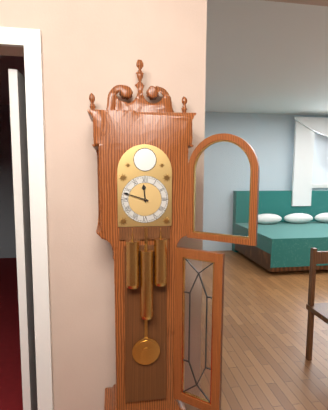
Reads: 11 h 48 min
